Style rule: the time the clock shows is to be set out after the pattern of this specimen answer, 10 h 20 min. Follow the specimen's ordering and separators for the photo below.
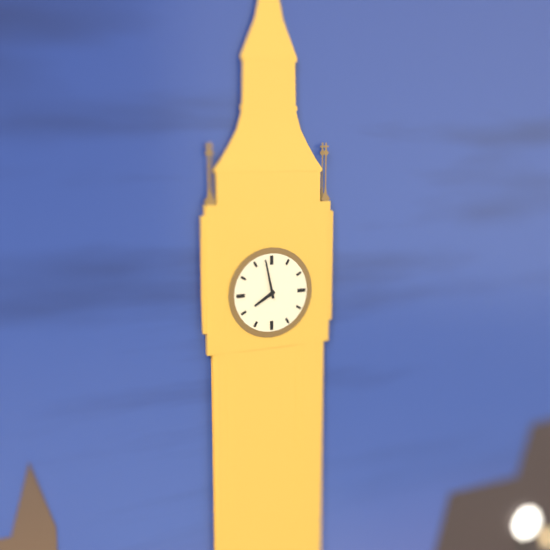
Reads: 7 h 58 min
